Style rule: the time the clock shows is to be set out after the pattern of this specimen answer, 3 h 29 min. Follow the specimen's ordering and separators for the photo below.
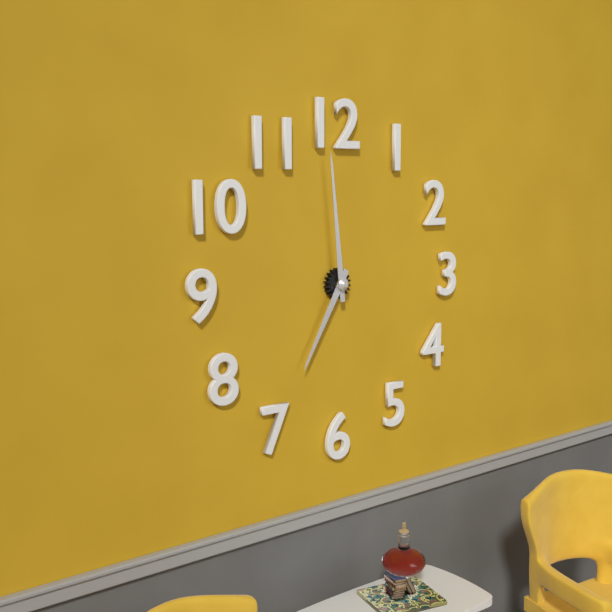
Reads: 6 h 59 min
